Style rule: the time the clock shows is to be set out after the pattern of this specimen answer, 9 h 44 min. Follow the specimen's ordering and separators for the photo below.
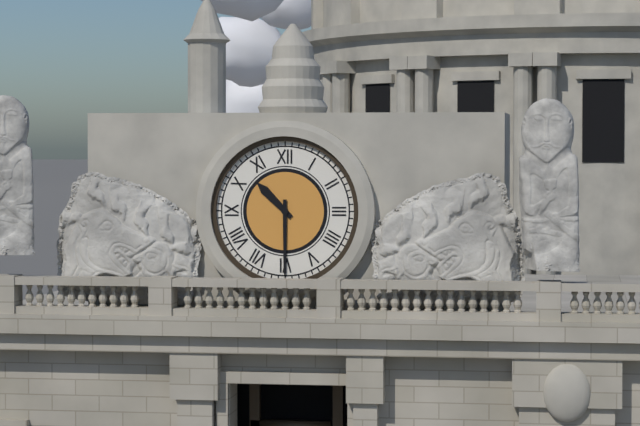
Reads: 10 h 30 min
